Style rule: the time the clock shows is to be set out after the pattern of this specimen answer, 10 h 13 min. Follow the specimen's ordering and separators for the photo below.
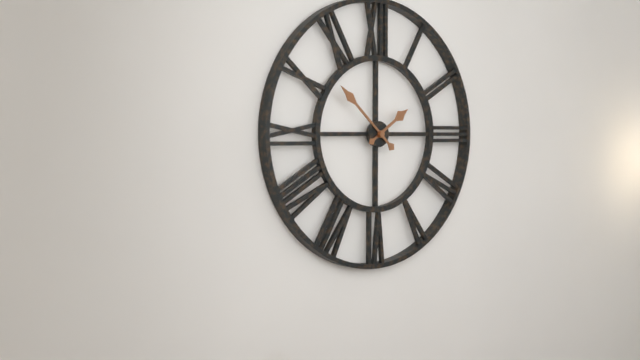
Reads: 1 h 52 min
